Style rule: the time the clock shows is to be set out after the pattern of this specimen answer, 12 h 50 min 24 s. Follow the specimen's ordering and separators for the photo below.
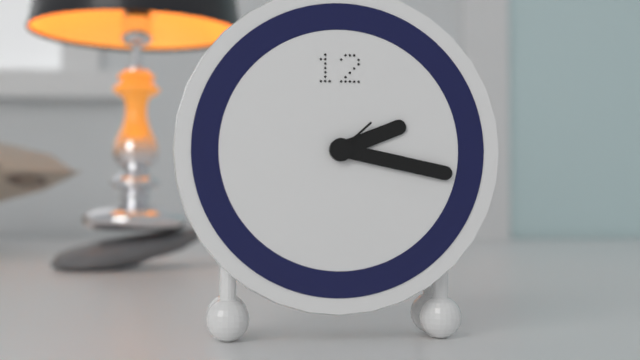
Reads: 2 h 17 min 08 s
